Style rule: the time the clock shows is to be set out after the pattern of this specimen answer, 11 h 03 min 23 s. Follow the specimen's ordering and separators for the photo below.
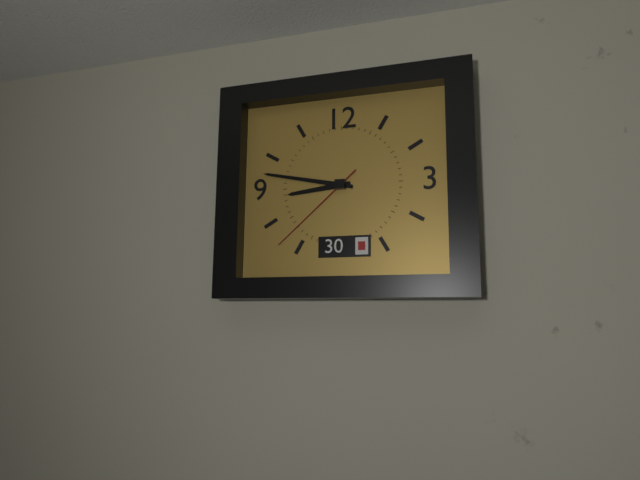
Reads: 8 h 47 min 38 s
